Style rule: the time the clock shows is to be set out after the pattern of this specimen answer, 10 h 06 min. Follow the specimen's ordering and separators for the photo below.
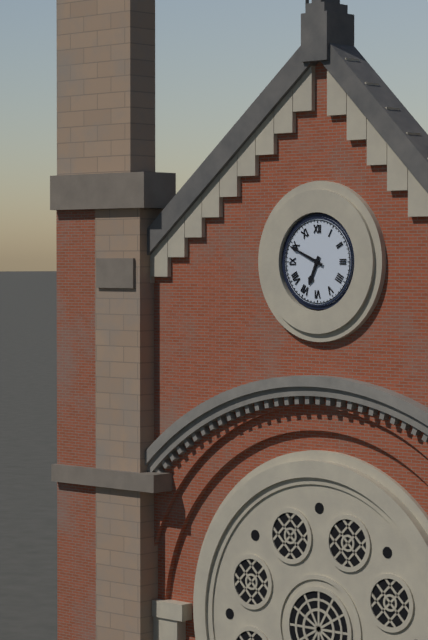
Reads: 6 h 49 min
